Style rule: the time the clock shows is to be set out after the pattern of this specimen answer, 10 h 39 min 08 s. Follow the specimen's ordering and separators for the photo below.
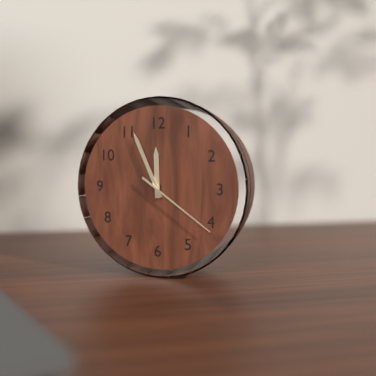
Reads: 11 h 56 min 21 s
